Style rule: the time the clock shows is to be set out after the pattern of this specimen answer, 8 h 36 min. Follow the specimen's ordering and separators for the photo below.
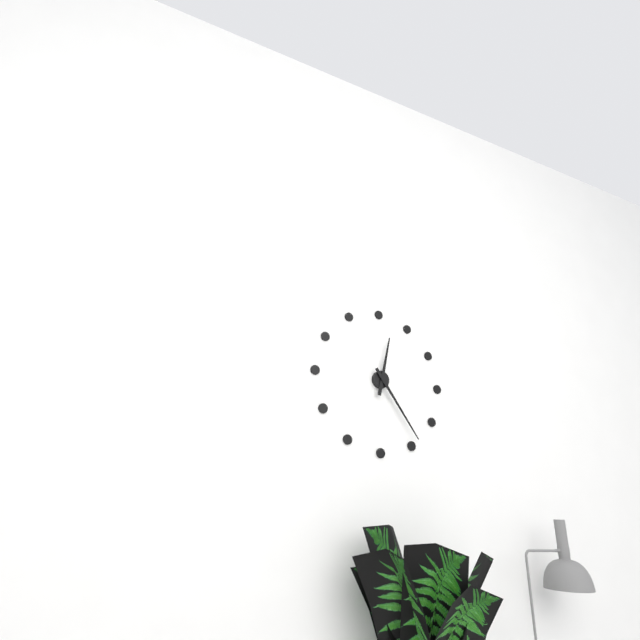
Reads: 12 h 24 min
